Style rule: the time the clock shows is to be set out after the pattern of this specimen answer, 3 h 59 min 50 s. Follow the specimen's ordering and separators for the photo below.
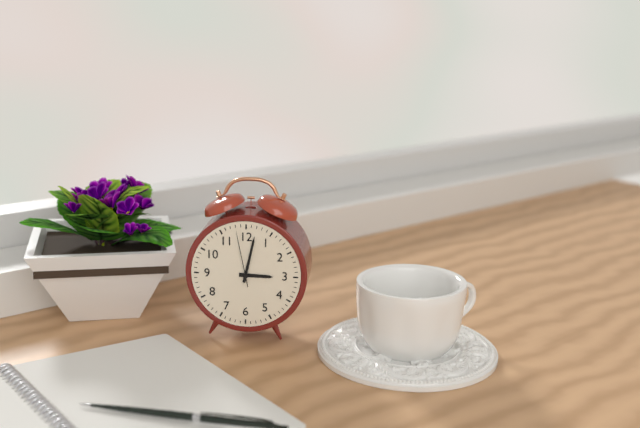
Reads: 3 h 02 min 58 s
